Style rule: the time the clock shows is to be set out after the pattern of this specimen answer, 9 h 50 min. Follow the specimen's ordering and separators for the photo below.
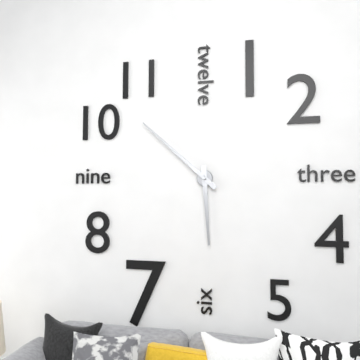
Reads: 5 h 52 min
